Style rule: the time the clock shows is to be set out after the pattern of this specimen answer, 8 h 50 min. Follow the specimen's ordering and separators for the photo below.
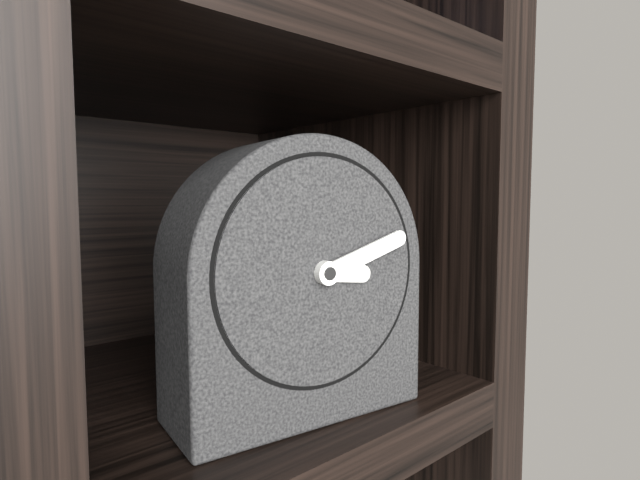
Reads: 3 h 12 min
